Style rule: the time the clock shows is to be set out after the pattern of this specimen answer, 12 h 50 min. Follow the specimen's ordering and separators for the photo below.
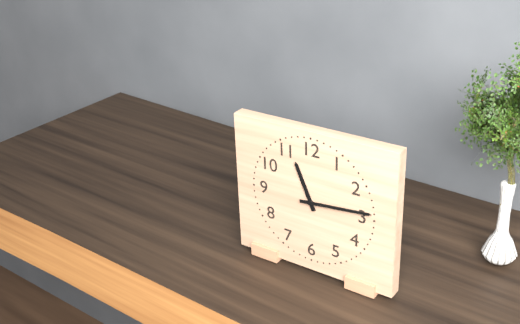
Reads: 11 h 14 min
